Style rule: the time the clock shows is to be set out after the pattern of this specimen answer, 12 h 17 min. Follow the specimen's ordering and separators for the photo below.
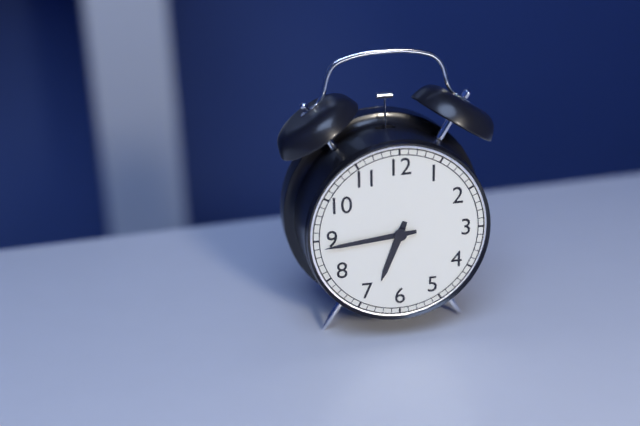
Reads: 6 h 44 min
